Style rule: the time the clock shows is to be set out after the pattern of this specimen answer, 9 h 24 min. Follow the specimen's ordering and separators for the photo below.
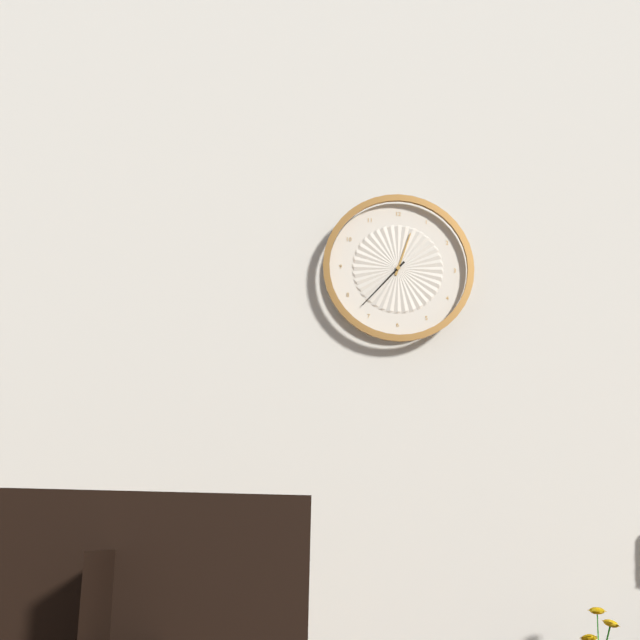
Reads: 12 h 37 min
